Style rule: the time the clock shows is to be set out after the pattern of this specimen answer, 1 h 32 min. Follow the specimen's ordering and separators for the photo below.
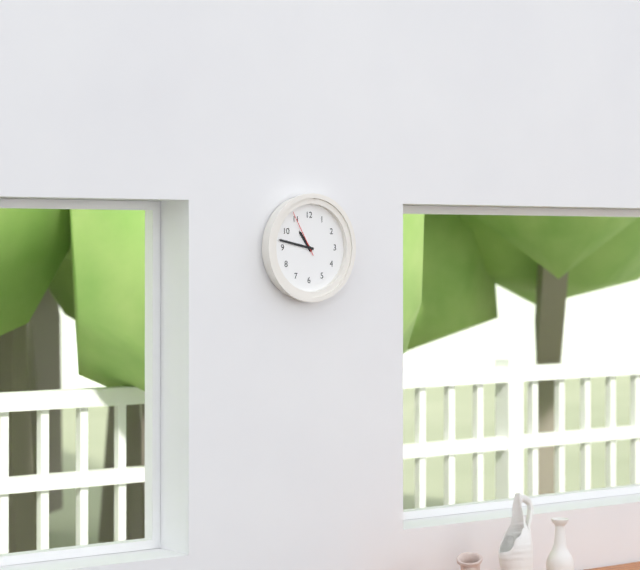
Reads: 10 h 47 min
